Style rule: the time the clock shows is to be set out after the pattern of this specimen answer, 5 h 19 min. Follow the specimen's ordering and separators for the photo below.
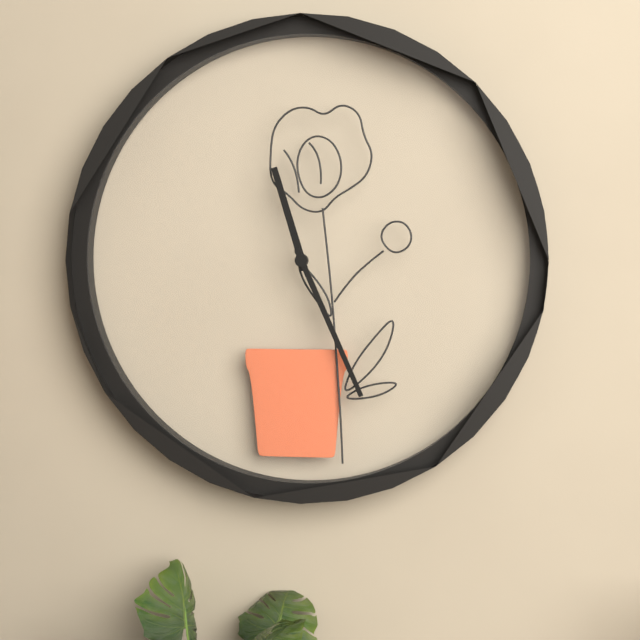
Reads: 11 h 26 min
